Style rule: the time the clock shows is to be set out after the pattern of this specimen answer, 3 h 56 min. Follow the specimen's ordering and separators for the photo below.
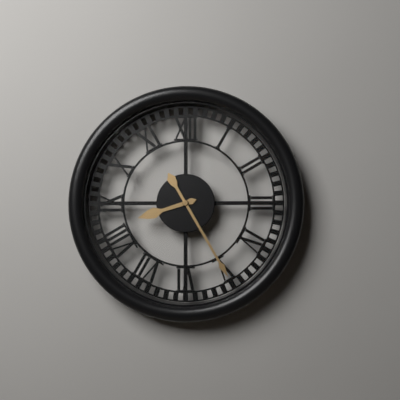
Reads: 8 h 25 min
